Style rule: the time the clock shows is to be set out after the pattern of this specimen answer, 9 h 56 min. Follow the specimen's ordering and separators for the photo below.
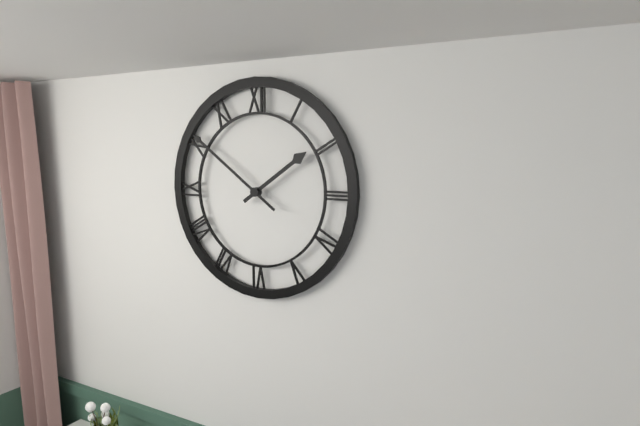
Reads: 1 h 51 min
